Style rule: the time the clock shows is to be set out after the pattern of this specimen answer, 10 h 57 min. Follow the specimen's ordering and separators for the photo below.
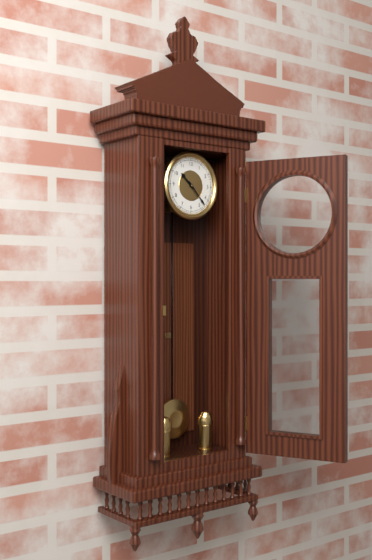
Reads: 10 h 23 min
